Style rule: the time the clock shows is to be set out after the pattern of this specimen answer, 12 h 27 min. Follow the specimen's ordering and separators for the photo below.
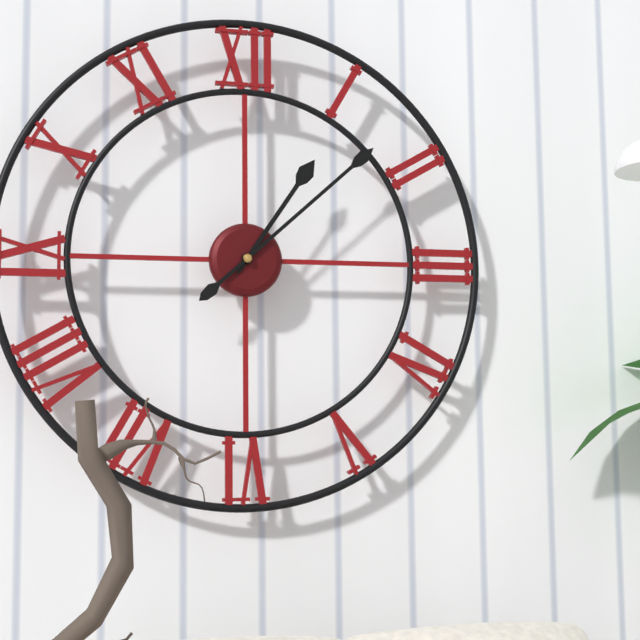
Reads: 1 h 08 min
